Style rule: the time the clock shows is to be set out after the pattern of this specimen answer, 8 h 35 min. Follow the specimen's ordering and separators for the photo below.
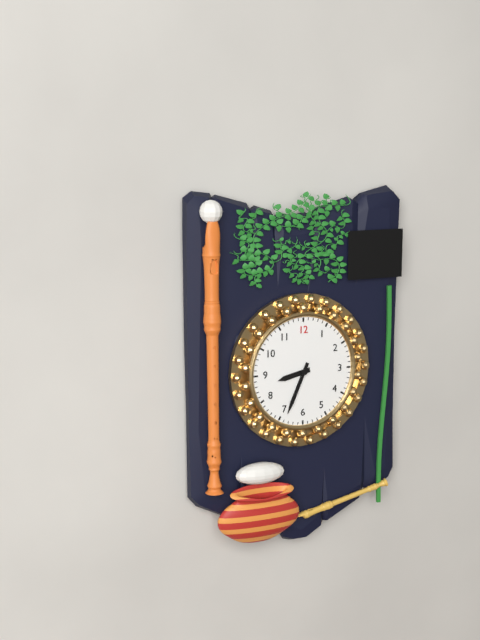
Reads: 8 h 34 min
